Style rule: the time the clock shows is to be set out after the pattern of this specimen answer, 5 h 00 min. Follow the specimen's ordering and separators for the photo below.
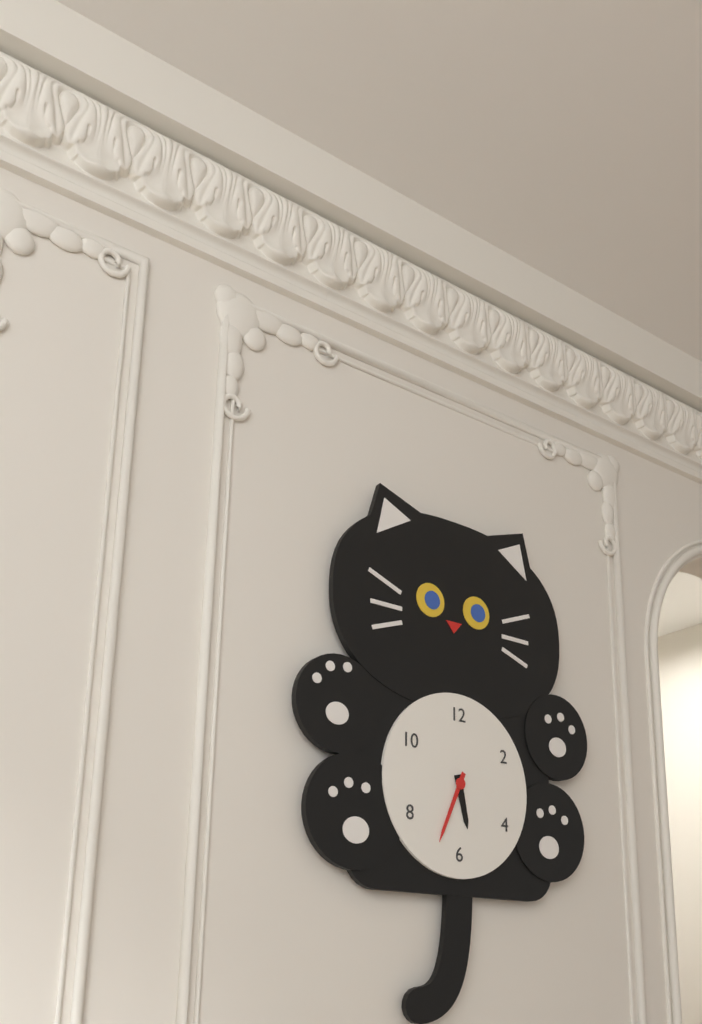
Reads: 5 h 34 min
